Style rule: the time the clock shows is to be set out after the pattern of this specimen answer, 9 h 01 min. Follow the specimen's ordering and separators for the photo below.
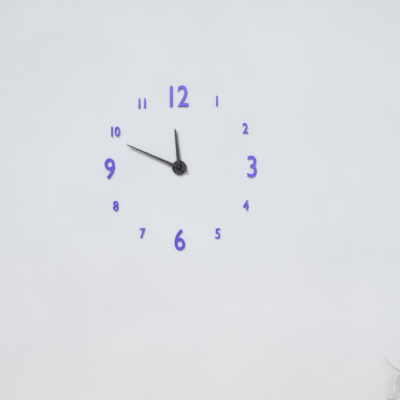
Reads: 11 h 49 min
